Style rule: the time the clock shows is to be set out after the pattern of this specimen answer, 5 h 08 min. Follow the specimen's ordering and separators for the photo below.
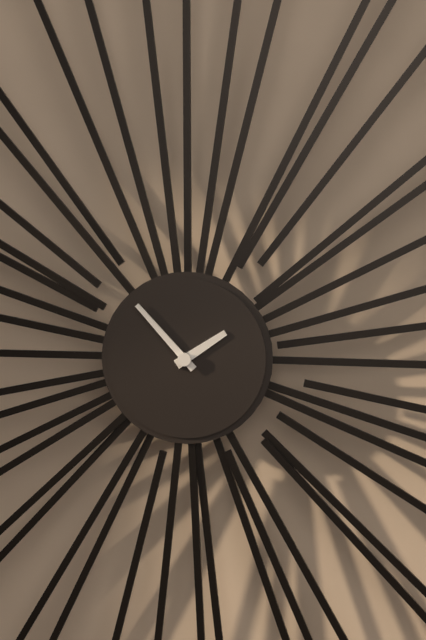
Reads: 1 h 53 min
